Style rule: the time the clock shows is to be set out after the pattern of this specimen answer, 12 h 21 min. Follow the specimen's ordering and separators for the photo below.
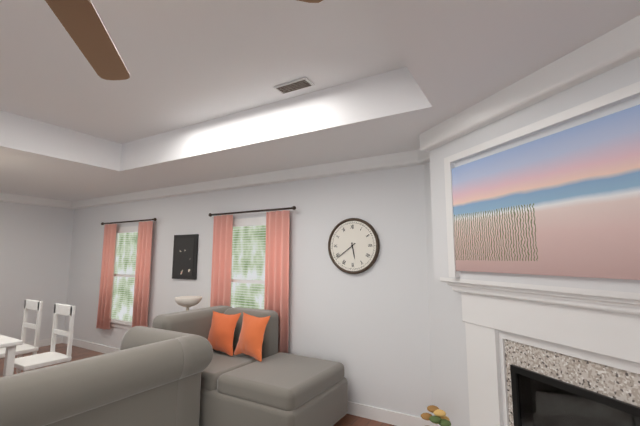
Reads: 5 h 39 min
